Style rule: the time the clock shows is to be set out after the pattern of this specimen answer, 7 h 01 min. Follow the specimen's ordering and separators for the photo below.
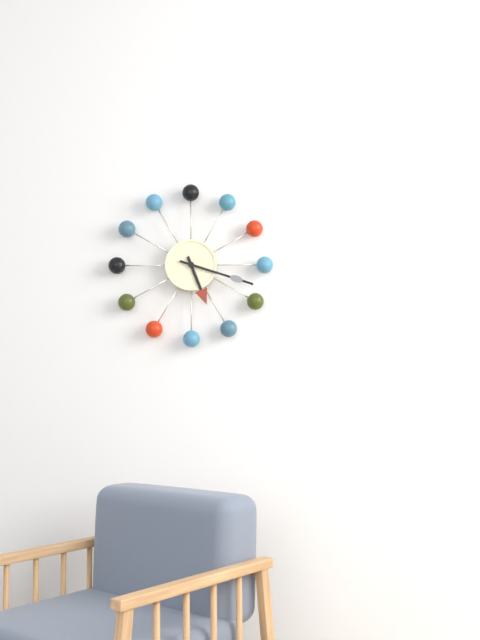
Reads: 5 h 18 min
